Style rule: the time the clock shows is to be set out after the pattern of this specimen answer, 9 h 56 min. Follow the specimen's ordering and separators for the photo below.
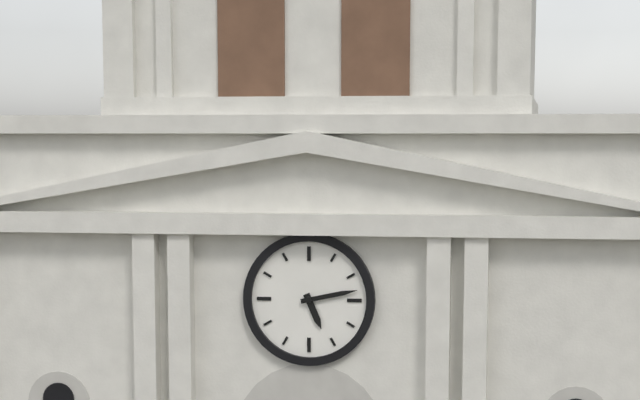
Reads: 5 h 13 min
